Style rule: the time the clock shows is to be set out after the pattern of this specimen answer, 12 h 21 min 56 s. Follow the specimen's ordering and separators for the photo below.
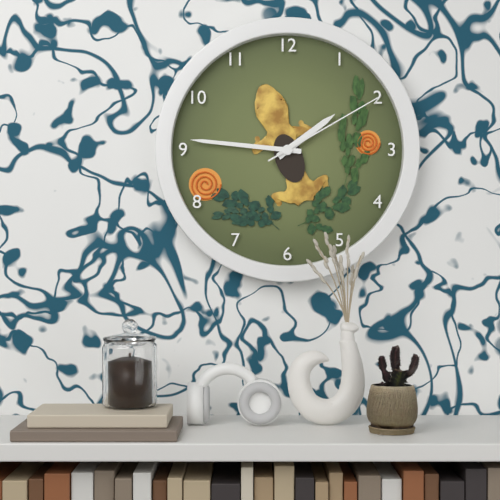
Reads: 1 h 46 min 10 s
